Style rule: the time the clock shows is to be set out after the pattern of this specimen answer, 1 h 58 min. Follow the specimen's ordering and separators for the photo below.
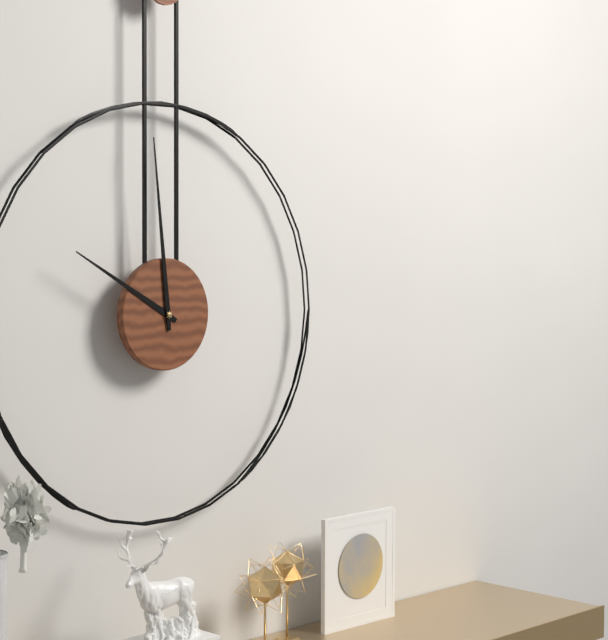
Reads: 9 h 59 min
